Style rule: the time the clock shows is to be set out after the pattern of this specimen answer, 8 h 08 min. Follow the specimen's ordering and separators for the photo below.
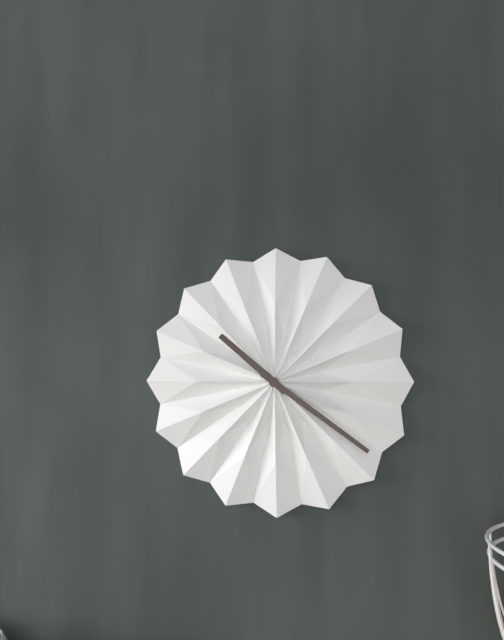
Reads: 10 h 21 min
